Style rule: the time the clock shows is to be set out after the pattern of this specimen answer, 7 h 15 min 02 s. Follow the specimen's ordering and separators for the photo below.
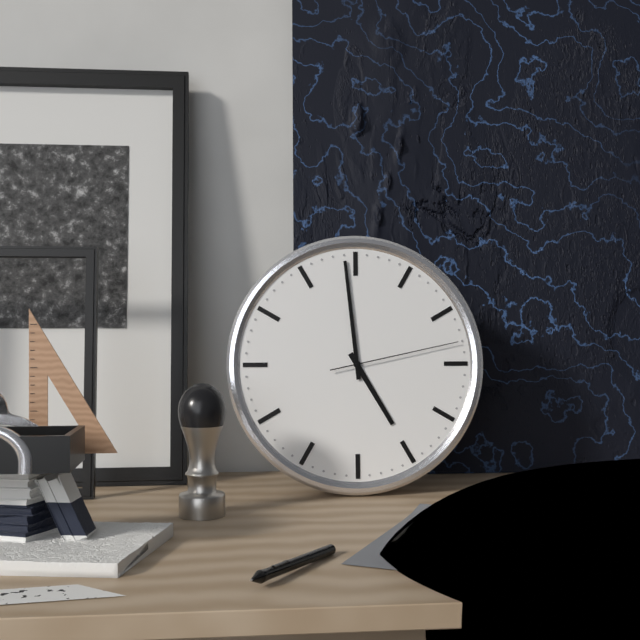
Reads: 4 h 59 min 13 s
